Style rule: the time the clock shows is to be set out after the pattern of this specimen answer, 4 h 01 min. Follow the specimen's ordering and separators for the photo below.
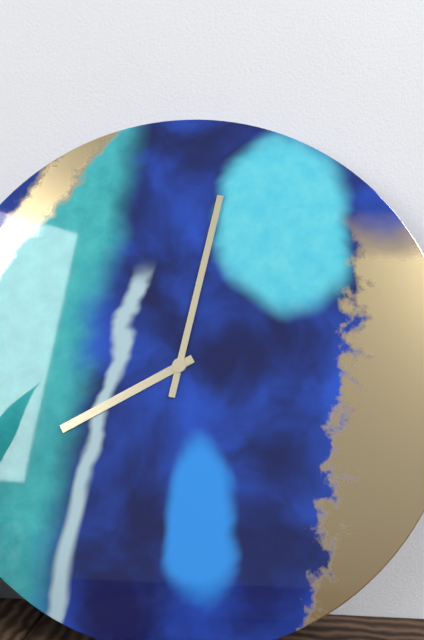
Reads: 8 h 02 min
